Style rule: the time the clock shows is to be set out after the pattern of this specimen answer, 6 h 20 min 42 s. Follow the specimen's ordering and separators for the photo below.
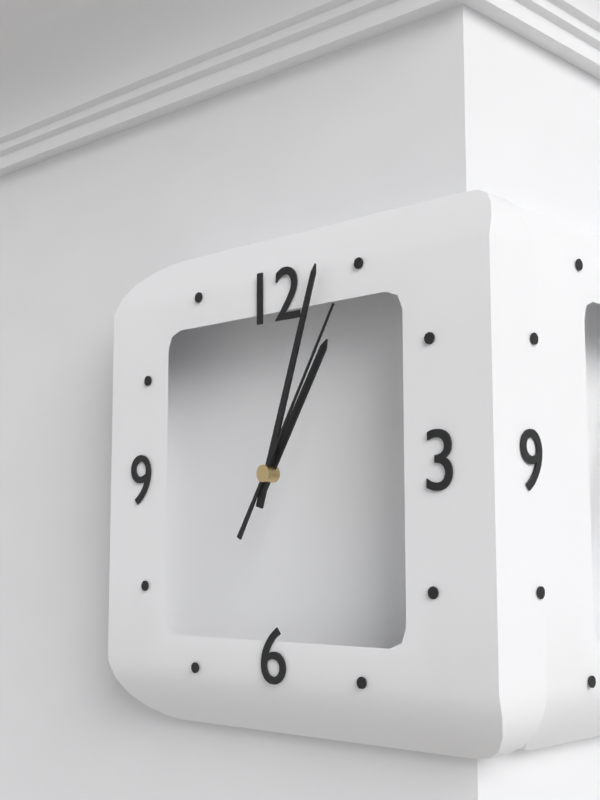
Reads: 1 h 03 min 05 s
